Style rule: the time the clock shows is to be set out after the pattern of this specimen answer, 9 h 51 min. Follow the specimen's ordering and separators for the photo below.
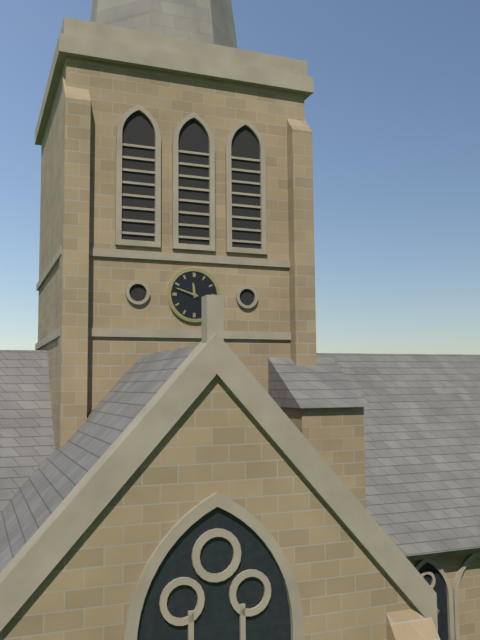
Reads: 11 h 48 min
